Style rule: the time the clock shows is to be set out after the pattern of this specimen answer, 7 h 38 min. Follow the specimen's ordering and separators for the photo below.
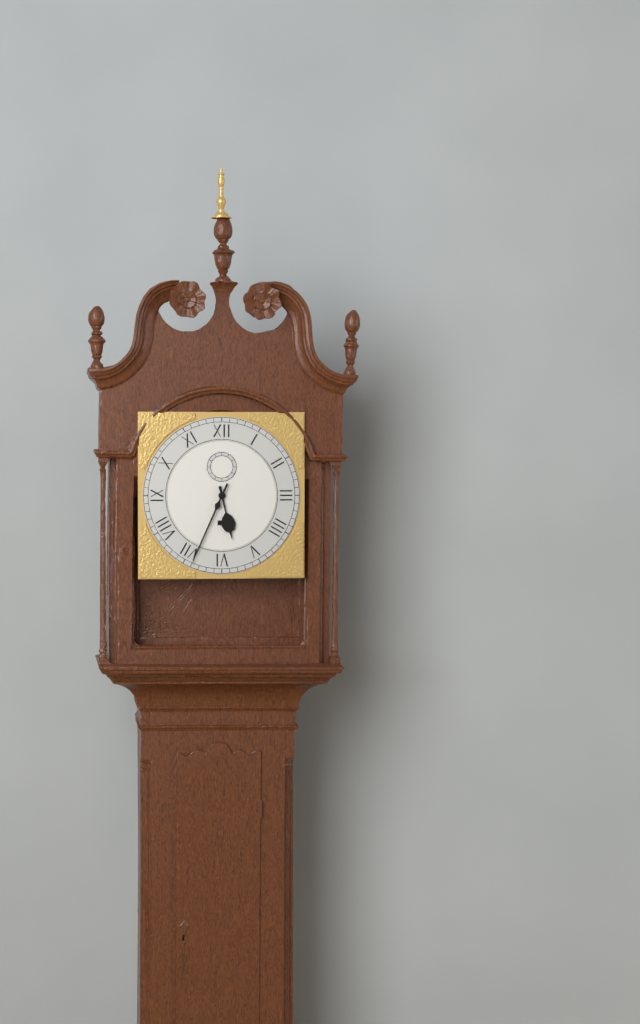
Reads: 5 h 34 min
